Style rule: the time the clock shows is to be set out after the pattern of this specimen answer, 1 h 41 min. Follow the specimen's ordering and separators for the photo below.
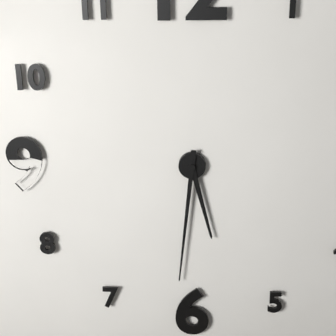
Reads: 5 h 31 min
